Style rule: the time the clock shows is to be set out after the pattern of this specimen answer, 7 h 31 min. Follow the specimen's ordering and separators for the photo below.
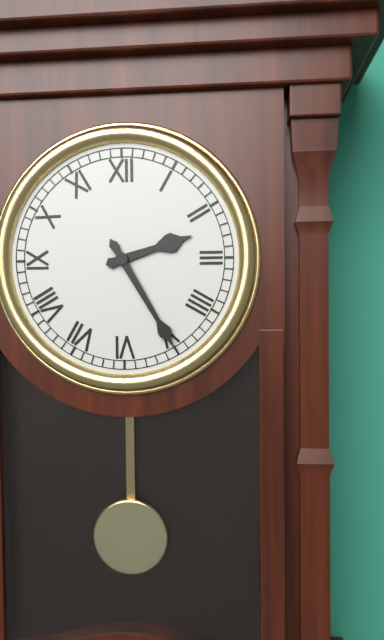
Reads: 2 h 25 min
